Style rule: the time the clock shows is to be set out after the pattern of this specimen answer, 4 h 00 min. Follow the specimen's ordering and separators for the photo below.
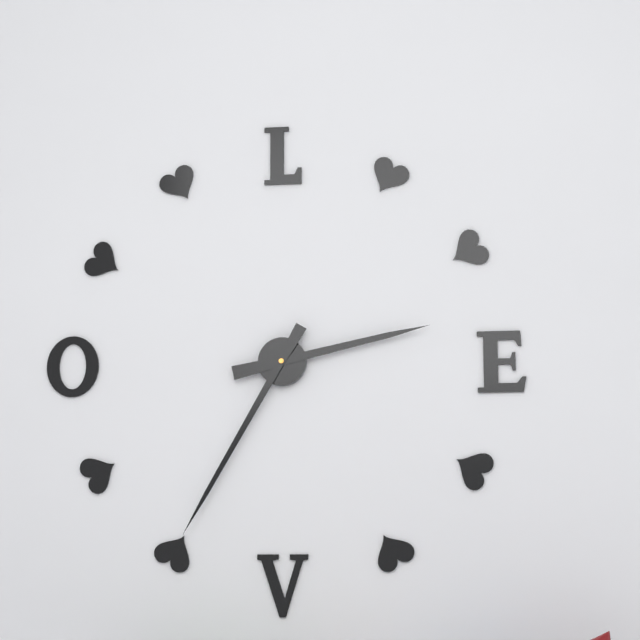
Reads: 2 h 35 min
